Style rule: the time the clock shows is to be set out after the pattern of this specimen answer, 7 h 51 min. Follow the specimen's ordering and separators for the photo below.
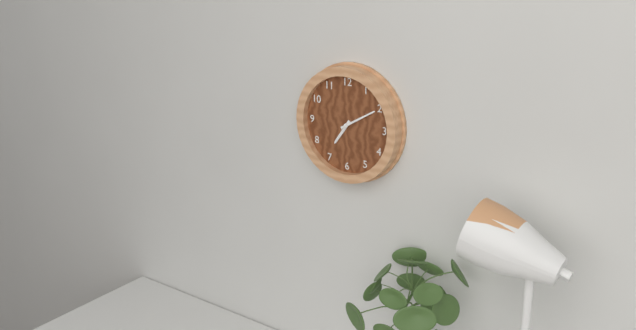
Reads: 7 h 10 min
